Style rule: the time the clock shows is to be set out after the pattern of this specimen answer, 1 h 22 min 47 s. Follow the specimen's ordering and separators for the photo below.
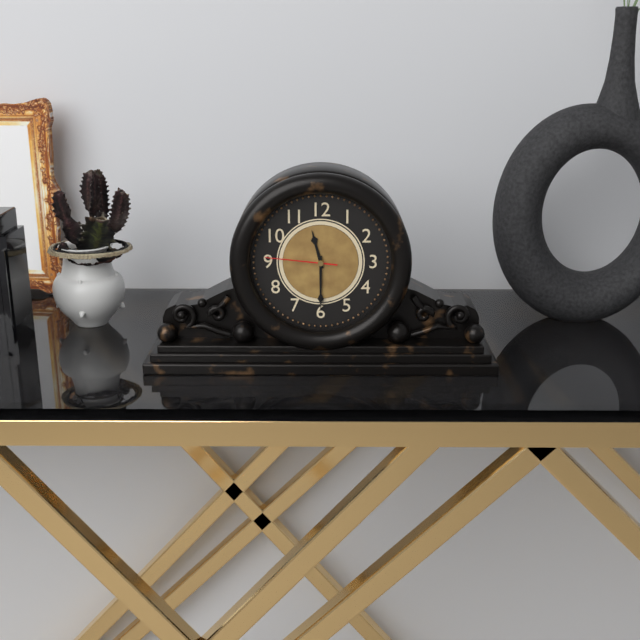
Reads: 11 h 30 min 46 s
